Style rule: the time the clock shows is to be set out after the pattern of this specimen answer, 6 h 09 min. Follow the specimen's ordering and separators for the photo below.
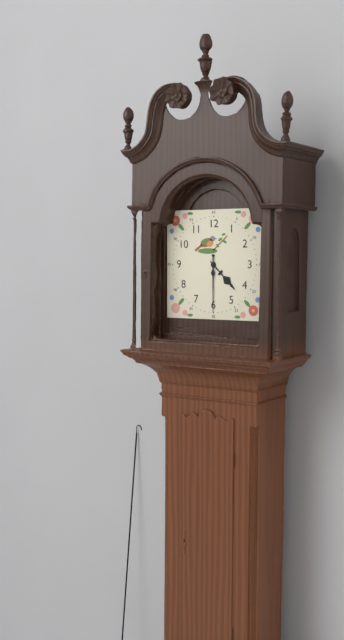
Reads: 4 h 30 min
